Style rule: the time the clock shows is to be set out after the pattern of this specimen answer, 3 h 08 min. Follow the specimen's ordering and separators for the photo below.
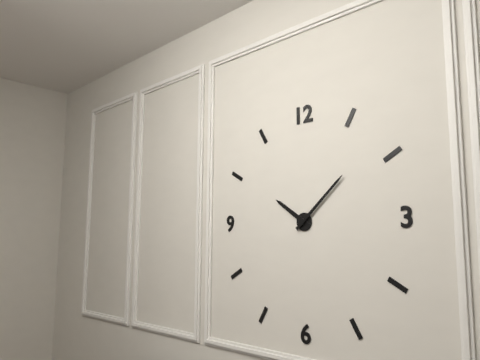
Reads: 10 h 08 min
